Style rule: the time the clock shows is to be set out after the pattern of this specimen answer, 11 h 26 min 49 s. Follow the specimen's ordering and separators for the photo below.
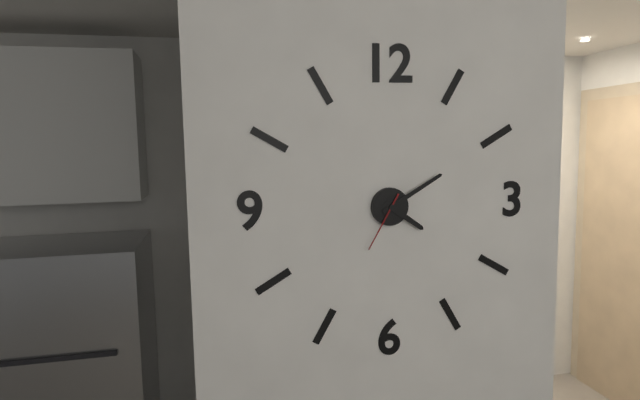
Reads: 4 h 10 min 35 s
